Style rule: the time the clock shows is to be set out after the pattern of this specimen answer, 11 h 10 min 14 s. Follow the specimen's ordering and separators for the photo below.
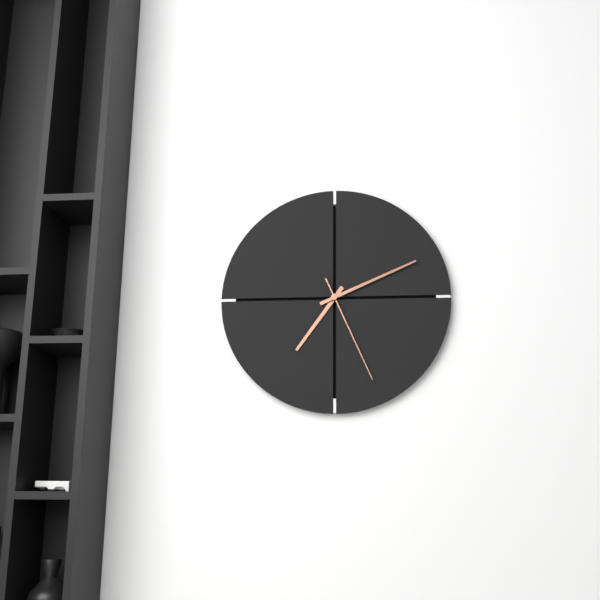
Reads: 7 h 11 min 26 s
